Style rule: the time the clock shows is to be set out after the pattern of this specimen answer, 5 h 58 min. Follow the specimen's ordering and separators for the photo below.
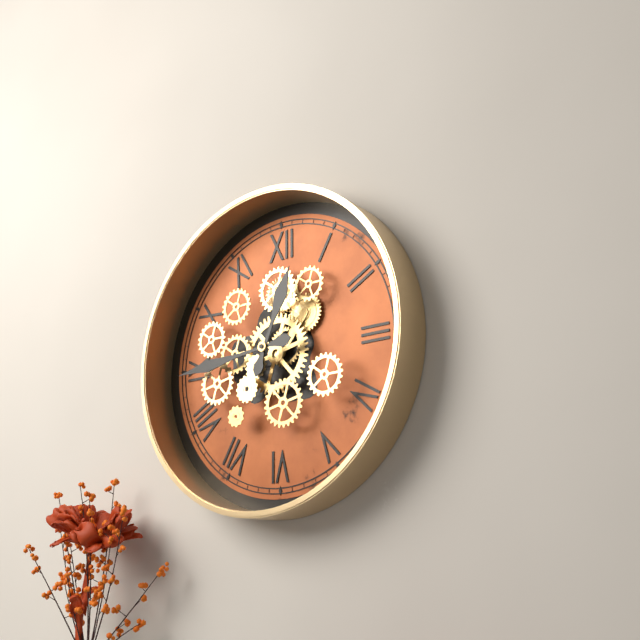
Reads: 12 h 44 min
